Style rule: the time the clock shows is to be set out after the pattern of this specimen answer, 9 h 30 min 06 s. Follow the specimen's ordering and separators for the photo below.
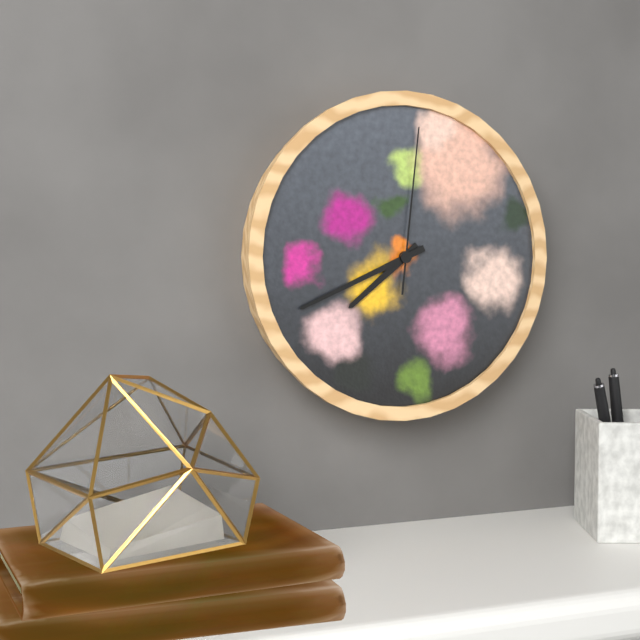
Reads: 7 h 41 min 01 s
